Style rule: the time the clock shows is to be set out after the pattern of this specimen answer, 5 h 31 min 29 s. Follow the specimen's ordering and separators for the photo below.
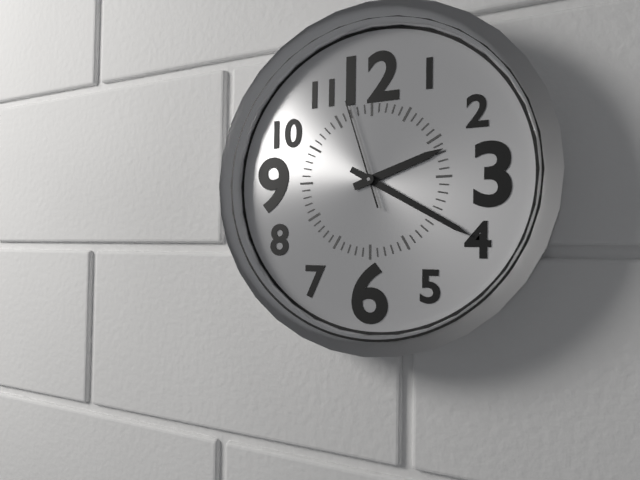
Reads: 2 h 20 min 57 s
